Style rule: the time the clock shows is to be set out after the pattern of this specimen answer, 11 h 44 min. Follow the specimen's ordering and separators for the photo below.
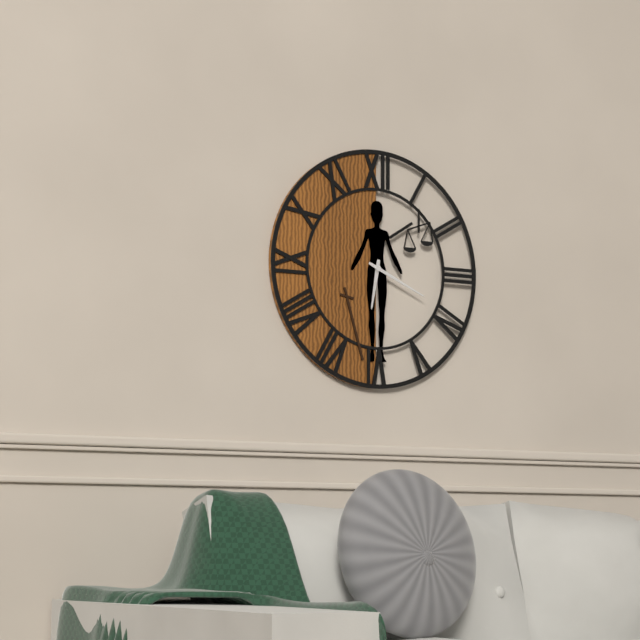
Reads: 6 h 19 min
